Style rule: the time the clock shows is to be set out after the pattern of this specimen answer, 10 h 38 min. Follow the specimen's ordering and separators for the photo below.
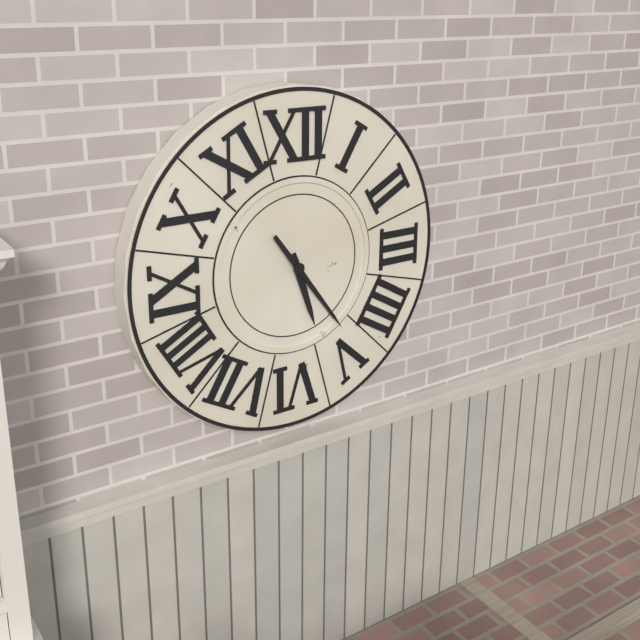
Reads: 5 h 24 min
